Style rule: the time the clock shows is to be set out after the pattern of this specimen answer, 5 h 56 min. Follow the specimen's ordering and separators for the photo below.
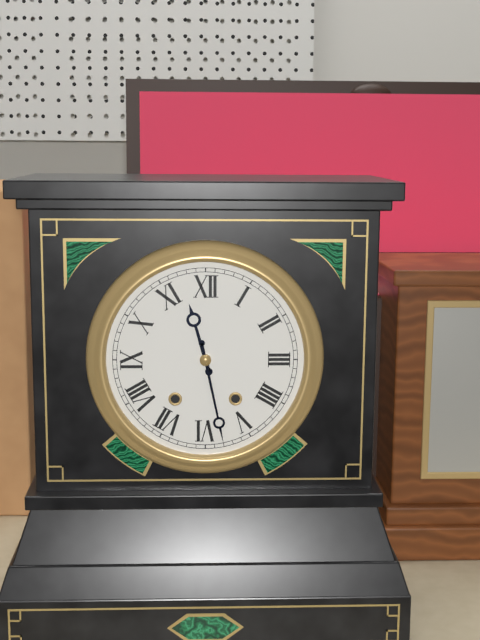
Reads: 11 h 28 min
